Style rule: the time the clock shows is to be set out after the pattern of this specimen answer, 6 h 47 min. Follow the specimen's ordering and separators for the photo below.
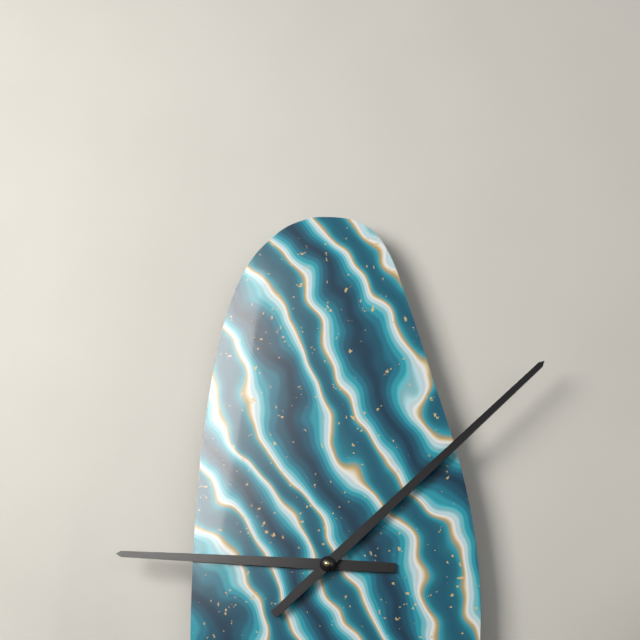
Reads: 9 h 08 min
